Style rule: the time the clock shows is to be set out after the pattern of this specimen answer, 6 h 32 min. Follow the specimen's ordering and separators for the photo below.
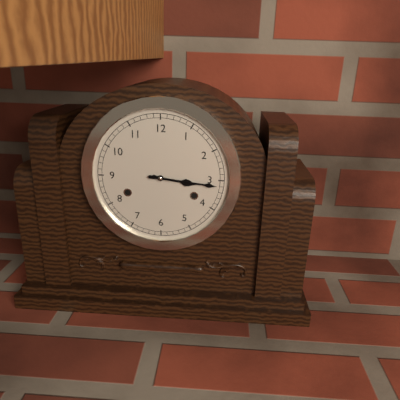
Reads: 3 h 16 min
